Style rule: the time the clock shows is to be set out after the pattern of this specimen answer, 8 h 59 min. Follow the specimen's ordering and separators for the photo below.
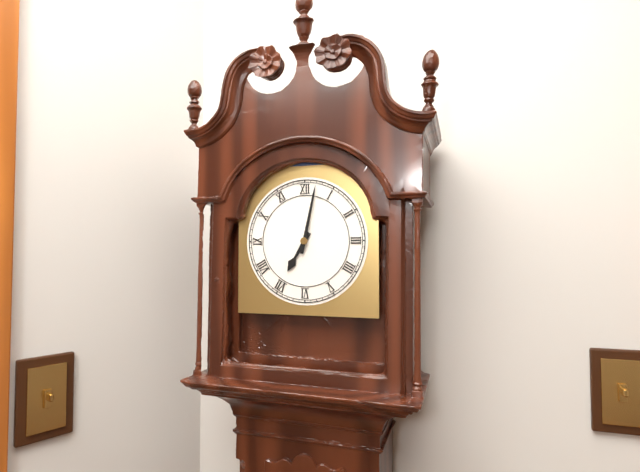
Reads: 7 h 02 min
